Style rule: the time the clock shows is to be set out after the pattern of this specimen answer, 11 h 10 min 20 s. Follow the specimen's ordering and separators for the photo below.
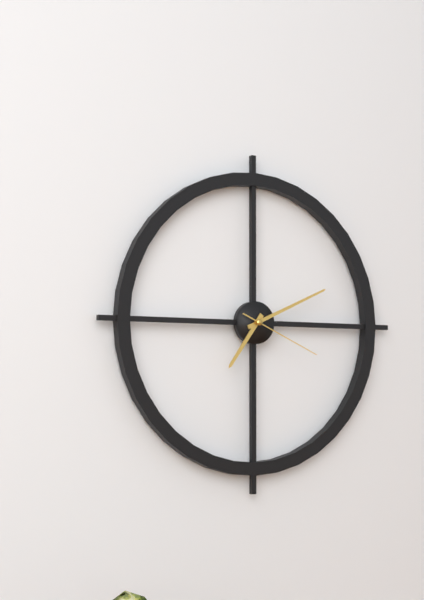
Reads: 7 h 11 min 19 s
